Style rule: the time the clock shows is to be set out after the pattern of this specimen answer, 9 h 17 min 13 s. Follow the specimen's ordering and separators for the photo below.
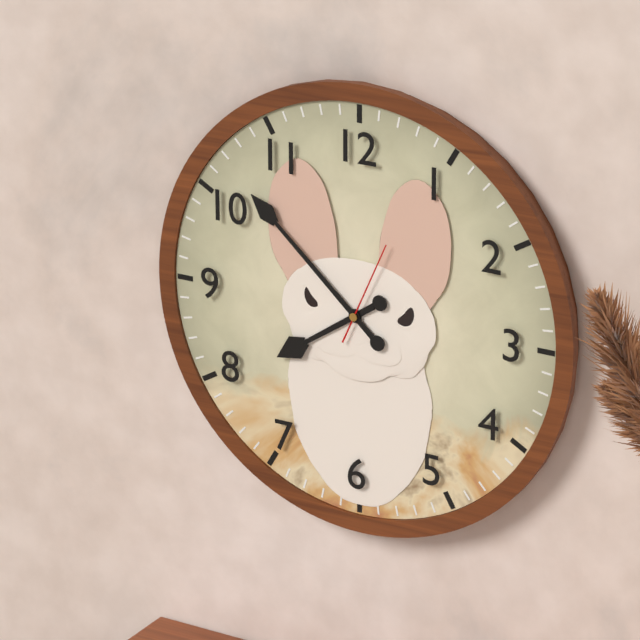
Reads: 7 h 52 min 04 s
